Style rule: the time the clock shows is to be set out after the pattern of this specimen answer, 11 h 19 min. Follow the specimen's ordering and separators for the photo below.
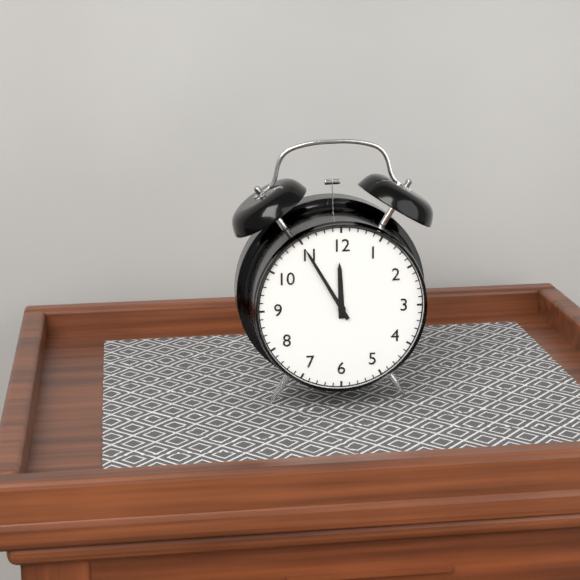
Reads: 11 h 55 min
